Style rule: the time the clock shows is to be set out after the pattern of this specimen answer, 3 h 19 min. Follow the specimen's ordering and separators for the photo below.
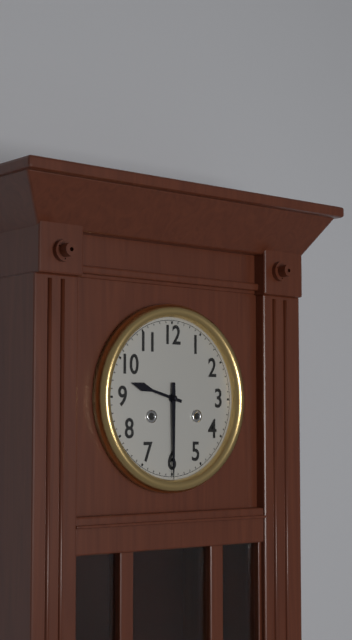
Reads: 9 h 30 min
